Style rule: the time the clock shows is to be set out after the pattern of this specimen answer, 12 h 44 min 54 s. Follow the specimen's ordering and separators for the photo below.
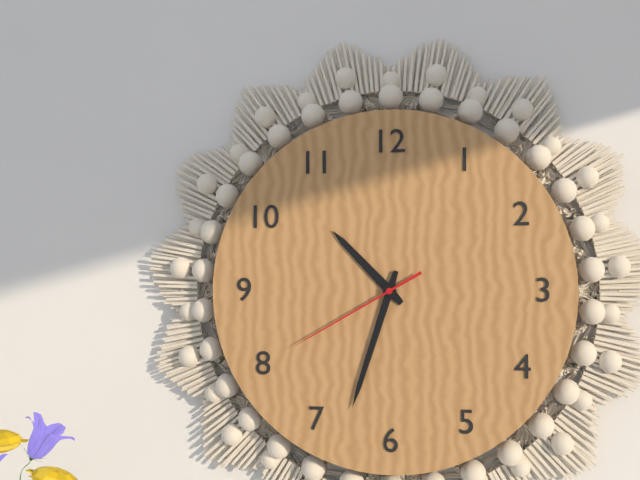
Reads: 10 h 33 min 40 s
